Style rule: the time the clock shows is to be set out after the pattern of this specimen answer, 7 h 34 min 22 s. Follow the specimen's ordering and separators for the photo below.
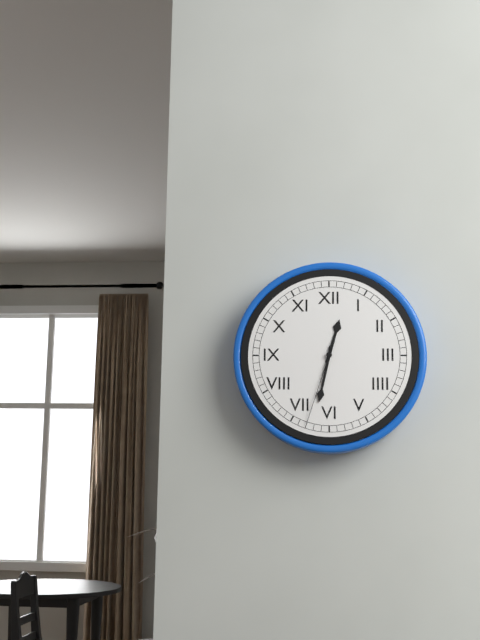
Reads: 12 h 32 min 33 s
